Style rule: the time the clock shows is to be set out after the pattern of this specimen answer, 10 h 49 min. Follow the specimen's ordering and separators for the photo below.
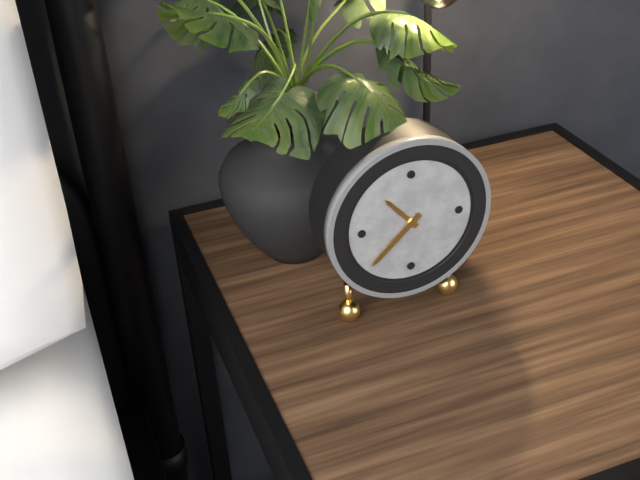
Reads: 10 h 38 min
